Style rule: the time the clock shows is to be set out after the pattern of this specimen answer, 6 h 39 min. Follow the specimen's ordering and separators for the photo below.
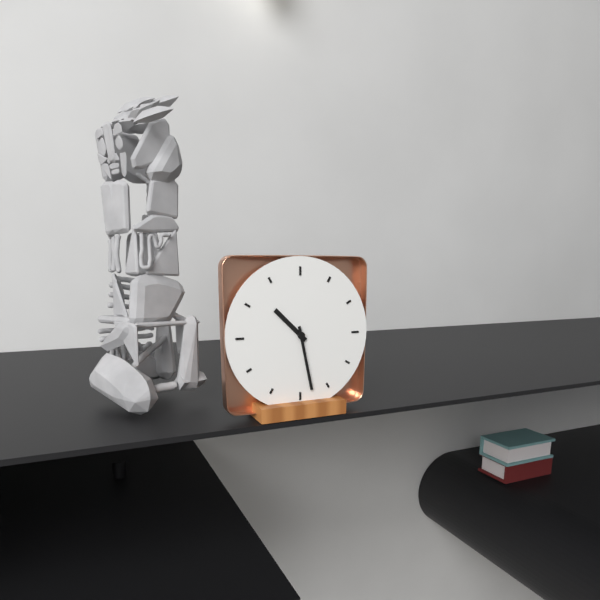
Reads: 10 h 28 min
